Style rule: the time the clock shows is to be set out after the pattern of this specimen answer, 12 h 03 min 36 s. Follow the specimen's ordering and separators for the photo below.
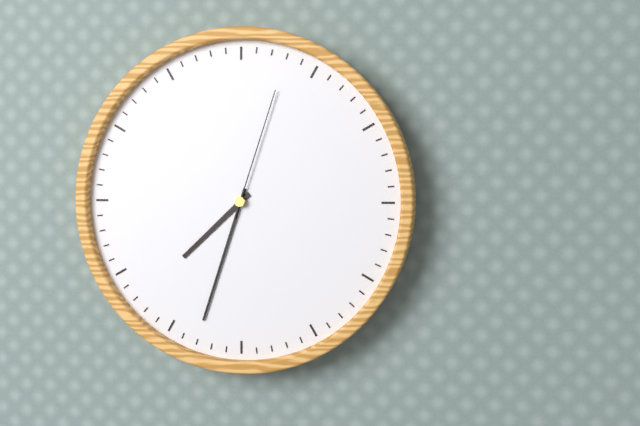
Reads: 7 h 33 min 03 s
